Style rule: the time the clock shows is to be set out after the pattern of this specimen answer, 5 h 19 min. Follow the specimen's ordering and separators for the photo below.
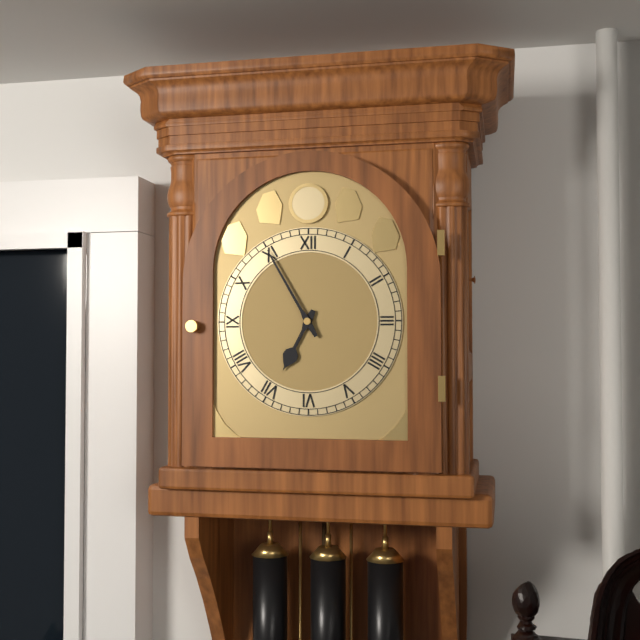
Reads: 6 h 55 min
